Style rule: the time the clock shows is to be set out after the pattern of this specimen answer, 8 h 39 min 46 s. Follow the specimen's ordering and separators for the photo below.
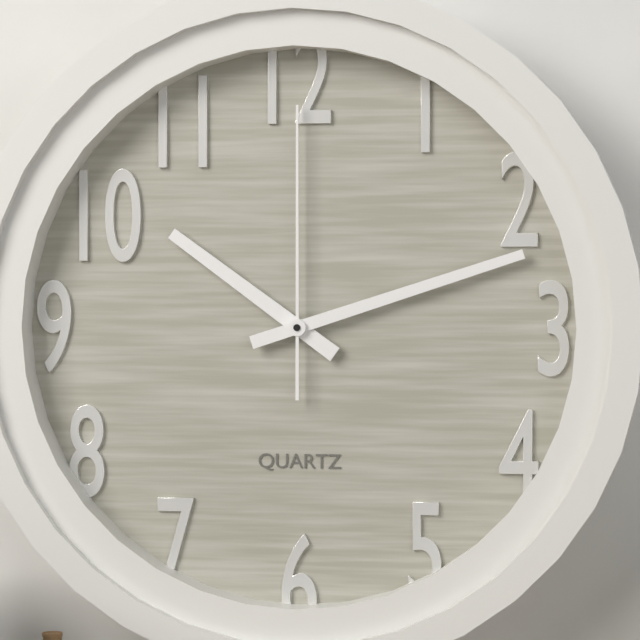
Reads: 10 h 12 min 00 s
